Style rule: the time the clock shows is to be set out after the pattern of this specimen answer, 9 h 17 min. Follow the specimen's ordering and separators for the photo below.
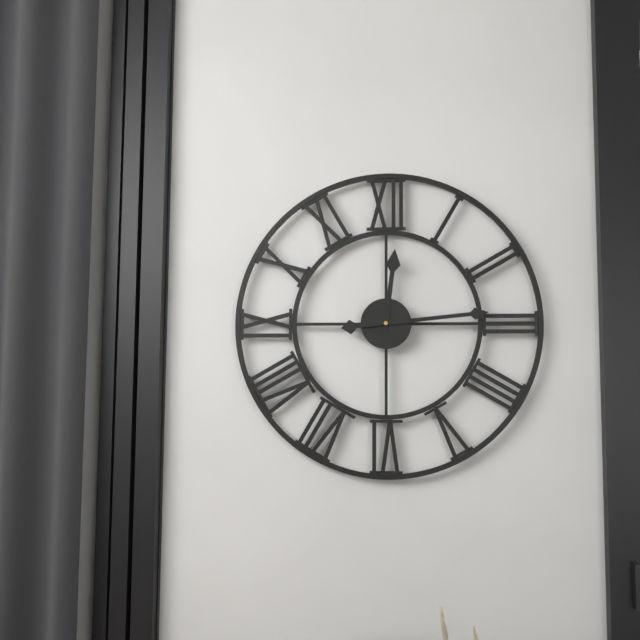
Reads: 12 h 14 min
